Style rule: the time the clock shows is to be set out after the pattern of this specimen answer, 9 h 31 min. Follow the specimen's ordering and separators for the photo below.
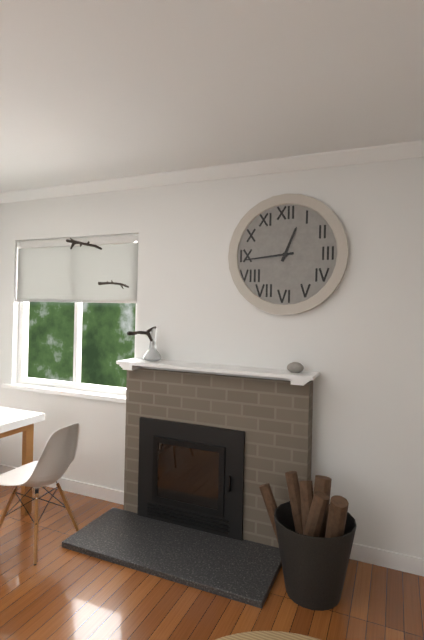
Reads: 12 h 44 min
